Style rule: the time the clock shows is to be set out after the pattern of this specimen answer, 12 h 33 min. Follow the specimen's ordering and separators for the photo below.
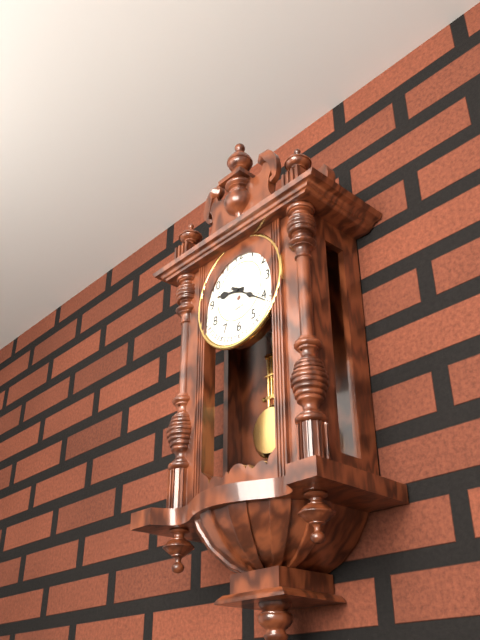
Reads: 9 h 21 min
